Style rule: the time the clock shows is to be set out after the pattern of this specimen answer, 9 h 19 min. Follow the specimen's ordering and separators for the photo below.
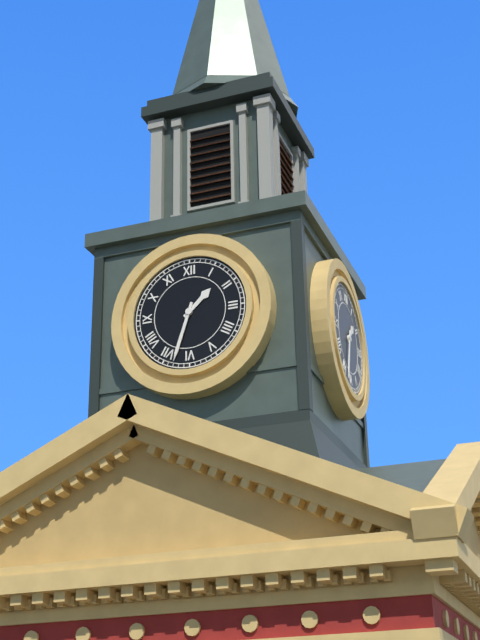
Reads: 1 h 33 min
